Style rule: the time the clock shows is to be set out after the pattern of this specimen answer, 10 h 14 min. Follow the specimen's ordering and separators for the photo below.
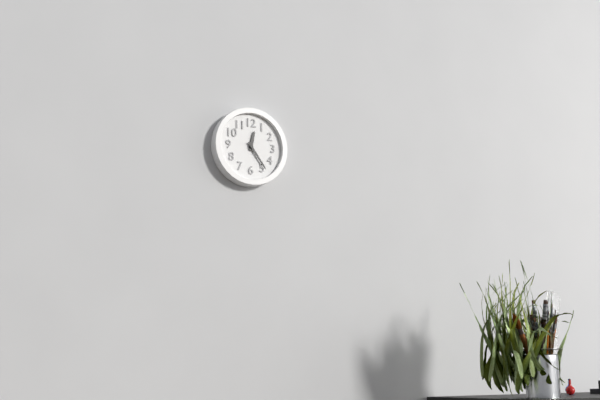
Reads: 12 h 24 min
